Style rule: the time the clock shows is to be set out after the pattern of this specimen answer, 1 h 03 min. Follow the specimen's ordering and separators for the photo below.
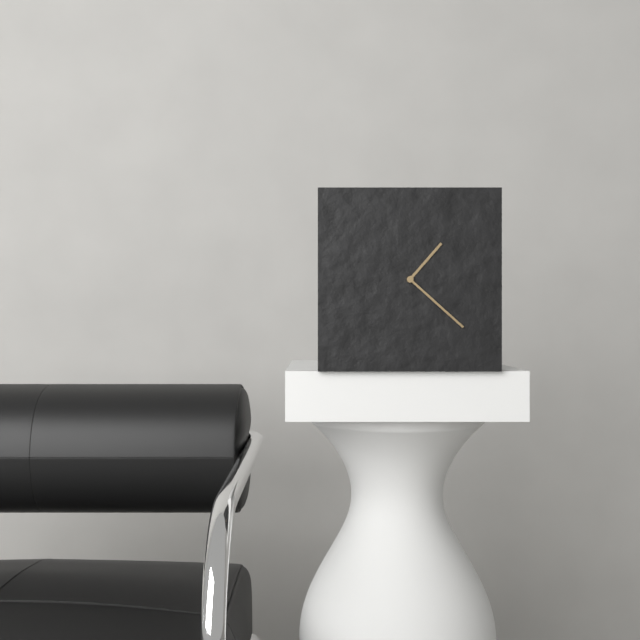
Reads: 1 h 22 min
